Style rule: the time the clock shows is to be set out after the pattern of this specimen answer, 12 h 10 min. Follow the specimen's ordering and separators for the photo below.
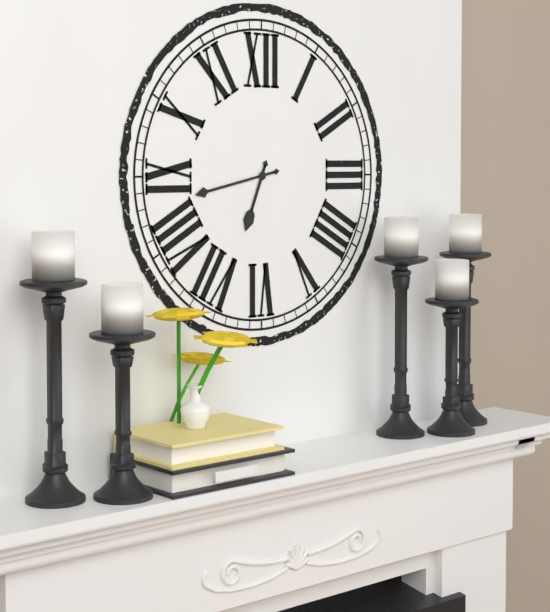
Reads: 6 h 43 min
